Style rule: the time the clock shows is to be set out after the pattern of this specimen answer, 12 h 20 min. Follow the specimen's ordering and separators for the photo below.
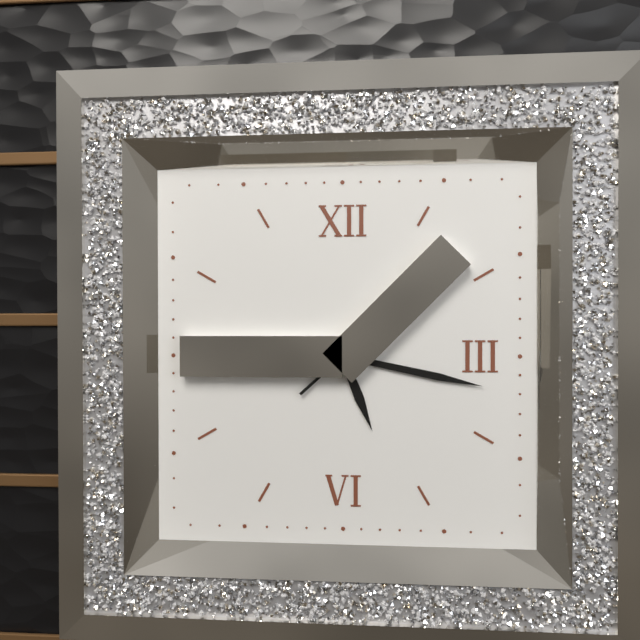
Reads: 5 h 17 min
